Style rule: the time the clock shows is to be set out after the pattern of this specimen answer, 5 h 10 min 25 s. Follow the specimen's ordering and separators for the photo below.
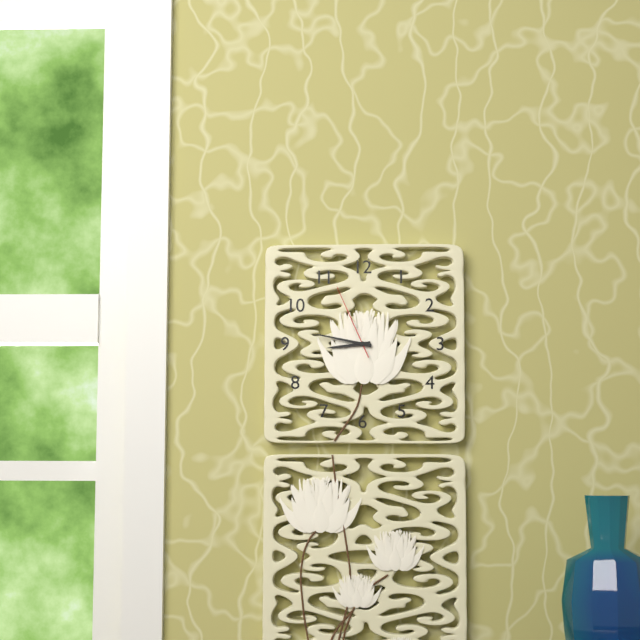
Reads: 8 h 47 min 56 s
